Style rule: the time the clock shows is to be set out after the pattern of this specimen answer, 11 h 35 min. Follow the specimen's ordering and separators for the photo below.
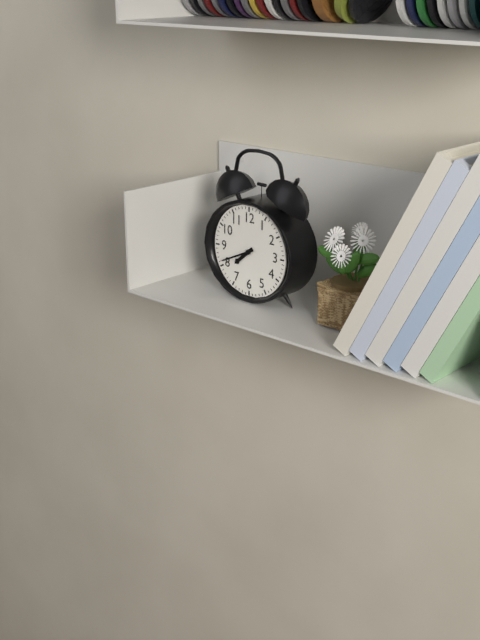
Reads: 7 h 41 min
